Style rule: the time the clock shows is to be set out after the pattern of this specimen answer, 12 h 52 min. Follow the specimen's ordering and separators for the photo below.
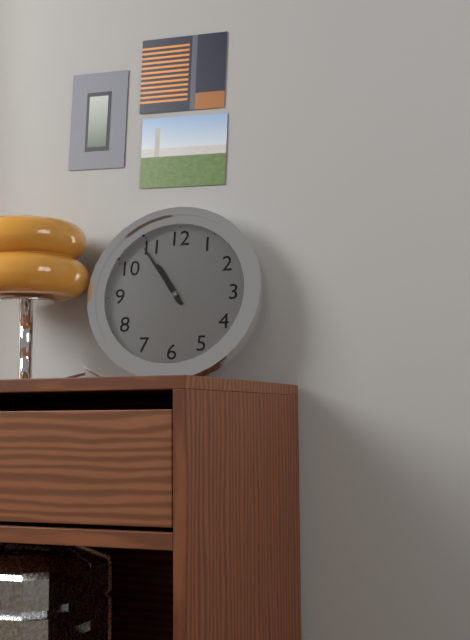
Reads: 10 h 54 min
